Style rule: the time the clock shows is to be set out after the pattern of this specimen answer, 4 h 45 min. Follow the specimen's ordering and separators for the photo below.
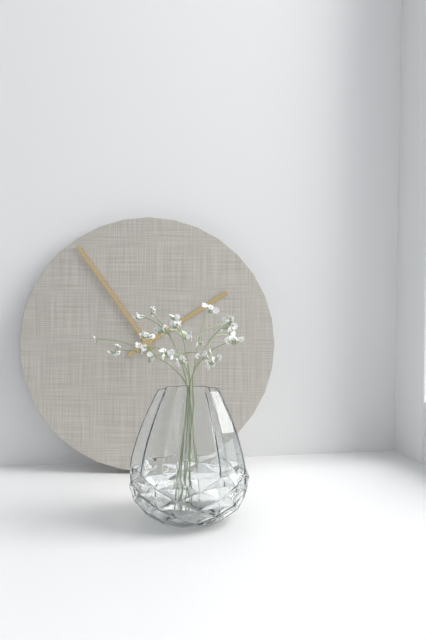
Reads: 1 h 54 min
